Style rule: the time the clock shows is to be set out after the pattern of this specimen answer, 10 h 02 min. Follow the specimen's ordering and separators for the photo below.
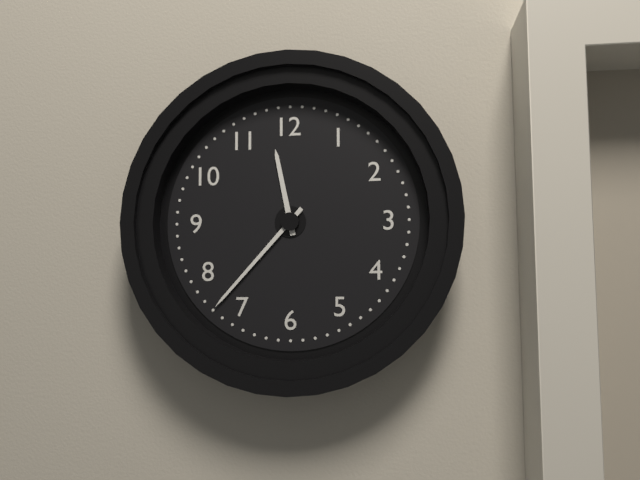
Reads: 11 h 37 min
